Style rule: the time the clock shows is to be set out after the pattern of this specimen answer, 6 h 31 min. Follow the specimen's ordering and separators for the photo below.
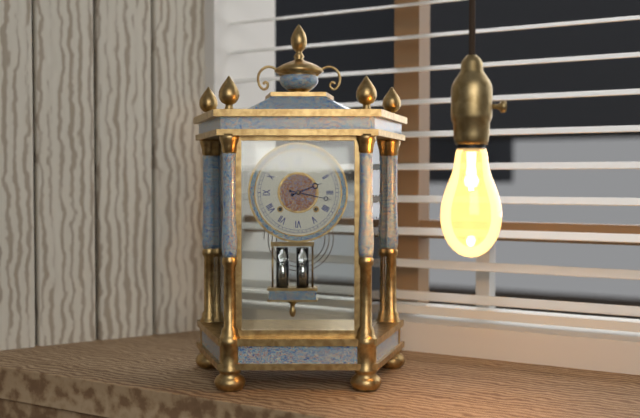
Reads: 2 h 17 min
